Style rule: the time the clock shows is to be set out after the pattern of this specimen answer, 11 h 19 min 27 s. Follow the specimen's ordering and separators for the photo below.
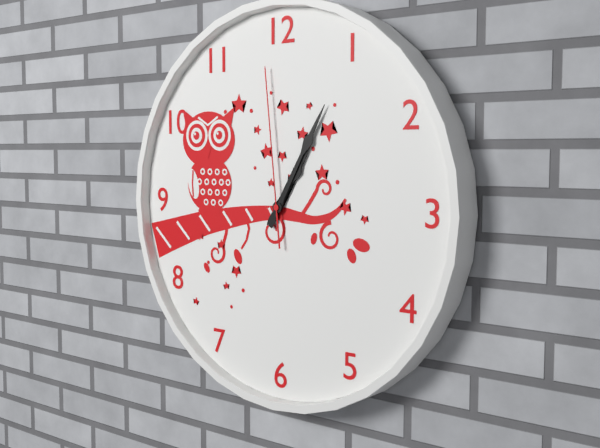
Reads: 1 h 05 min 59 s
